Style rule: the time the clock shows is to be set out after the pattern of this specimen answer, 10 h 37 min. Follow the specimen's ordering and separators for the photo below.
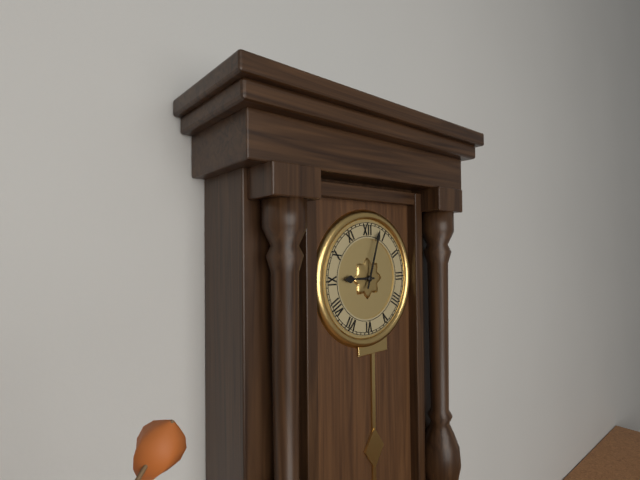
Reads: 9 h 03 min
